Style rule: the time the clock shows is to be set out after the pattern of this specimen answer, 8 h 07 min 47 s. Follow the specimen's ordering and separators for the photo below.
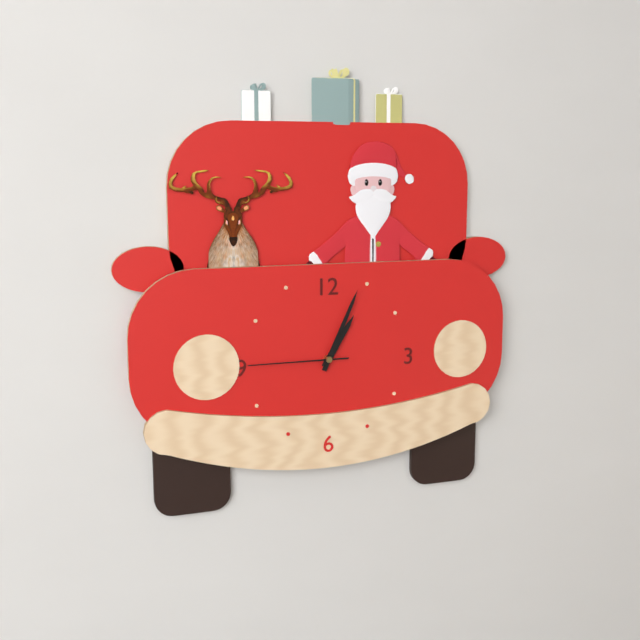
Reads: 1 h 04 min 45 s
